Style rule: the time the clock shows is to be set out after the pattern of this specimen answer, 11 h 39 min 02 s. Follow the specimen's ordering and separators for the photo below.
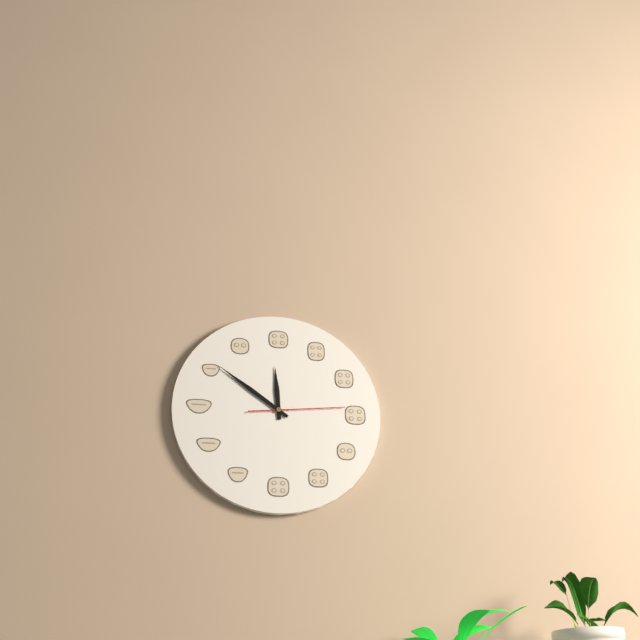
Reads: 11 h 51 min 14 s
